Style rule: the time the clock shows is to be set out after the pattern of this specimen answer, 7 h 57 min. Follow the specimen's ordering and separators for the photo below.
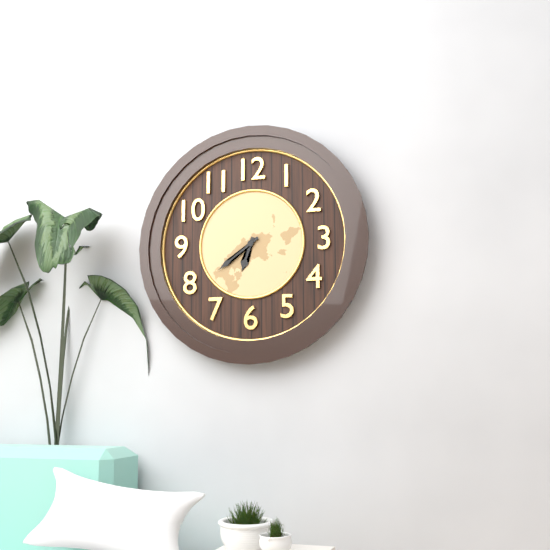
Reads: 6 h 39 min
